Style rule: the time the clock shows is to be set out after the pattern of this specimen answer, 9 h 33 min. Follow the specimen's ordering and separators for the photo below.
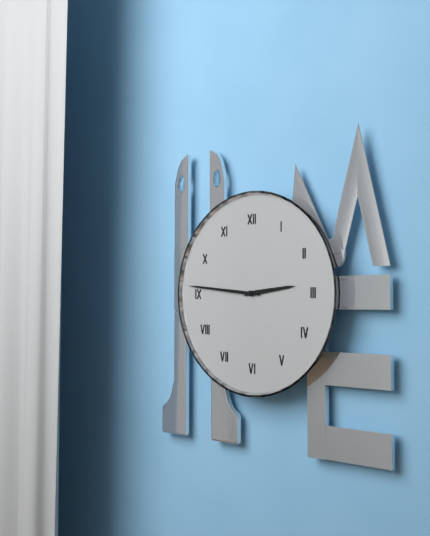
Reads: 2 h 46 min
